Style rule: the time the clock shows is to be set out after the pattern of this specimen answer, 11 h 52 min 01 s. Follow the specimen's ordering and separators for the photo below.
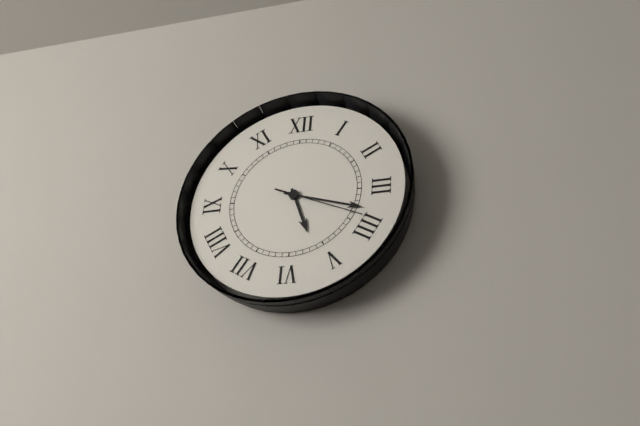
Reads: 5 h 18 min 19 s
